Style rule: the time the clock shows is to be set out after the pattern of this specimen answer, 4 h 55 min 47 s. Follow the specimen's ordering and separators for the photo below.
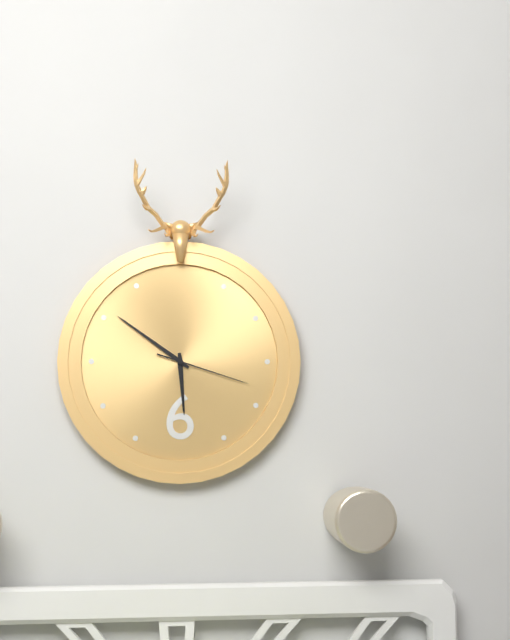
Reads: 5 h 51 min 18 s
